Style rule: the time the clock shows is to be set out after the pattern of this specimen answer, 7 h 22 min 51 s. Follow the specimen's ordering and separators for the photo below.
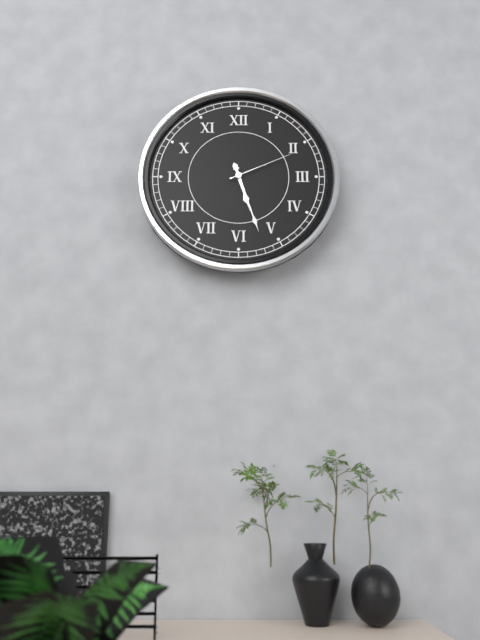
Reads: 5 h 27 min 11 s
